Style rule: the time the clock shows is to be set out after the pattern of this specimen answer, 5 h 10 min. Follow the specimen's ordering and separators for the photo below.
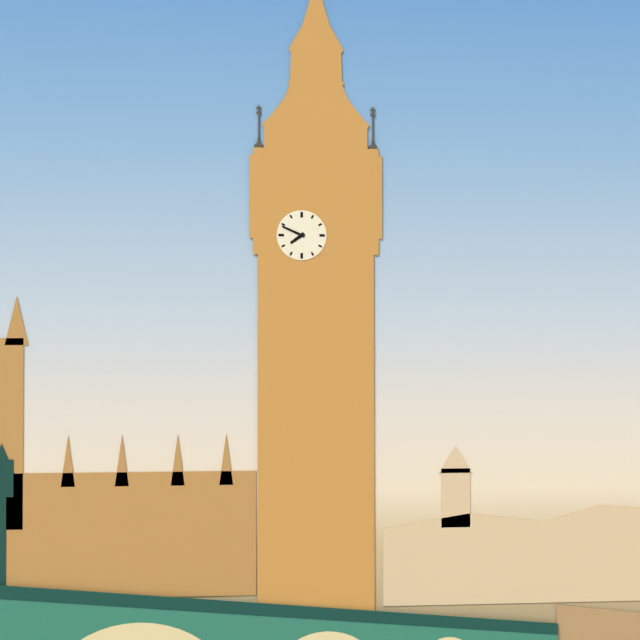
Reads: 7 h 49 min
